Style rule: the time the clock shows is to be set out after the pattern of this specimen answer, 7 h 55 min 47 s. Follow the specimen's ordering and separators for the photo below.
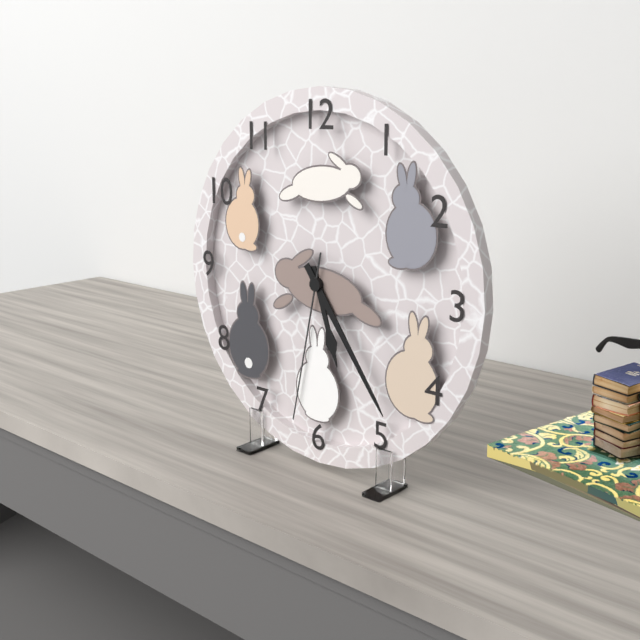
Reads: 5 h 24 min 32 s
